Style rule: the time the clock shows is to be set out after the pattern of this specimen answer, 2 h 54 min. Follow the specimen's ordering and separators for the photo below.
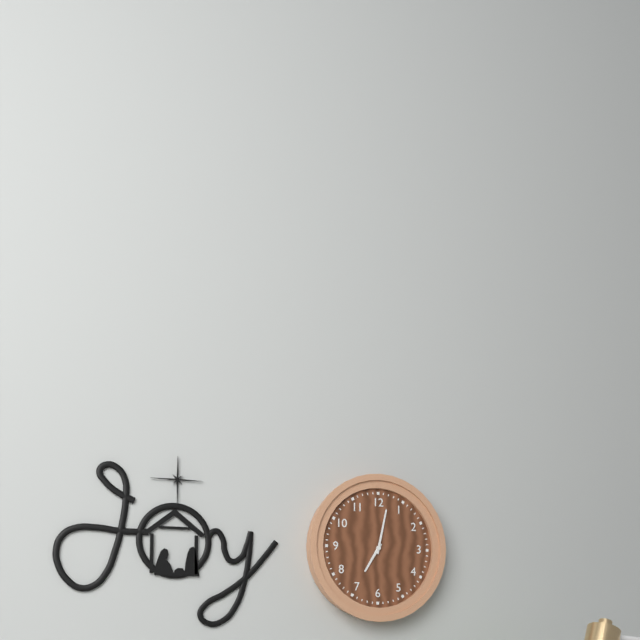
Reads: 7 h 02 min
